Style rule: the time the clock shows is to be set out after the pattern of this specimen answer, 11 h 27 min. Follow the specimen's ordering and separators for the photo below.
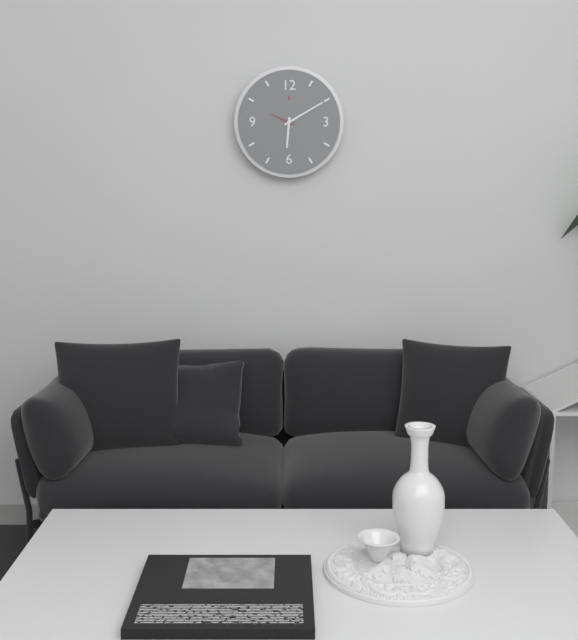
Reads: 6 h 10 min
